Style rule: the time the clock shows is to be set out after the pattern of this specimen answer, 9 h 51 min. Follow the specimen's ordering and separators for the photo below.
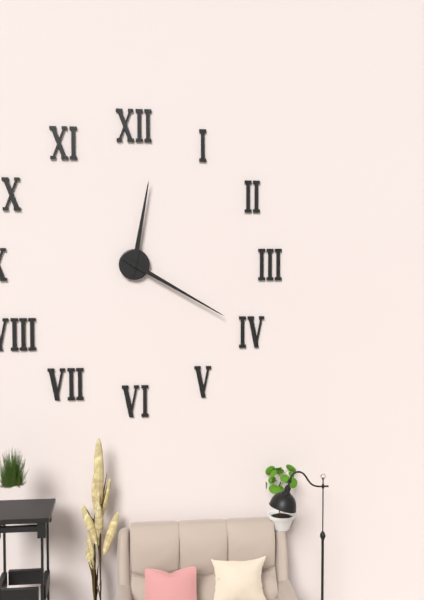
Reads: 12 h 20 min
